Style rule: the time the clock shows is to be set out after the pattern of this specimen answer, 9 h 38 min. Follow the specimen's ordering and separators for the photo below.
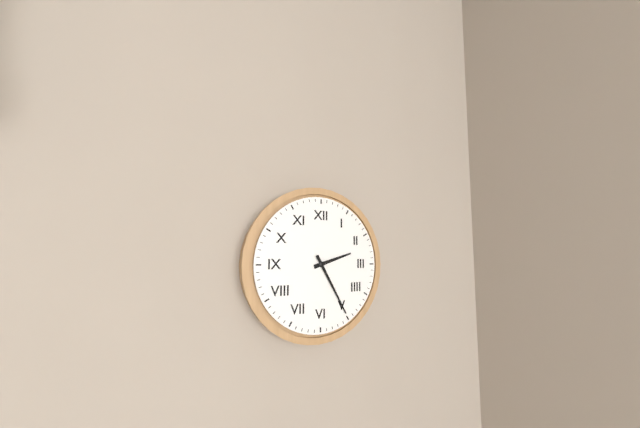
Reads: 2 h 25 min
